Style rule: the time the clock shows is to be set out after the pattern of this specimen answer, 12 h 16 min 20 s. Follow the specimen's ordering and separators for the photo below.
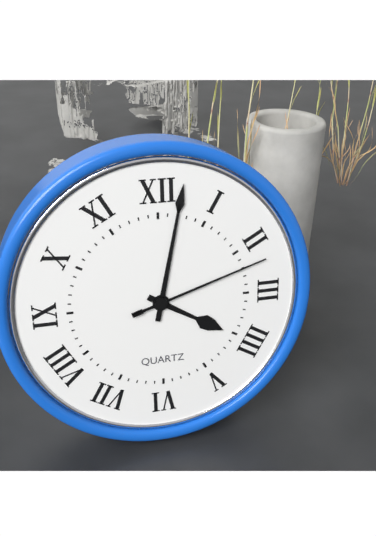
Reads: 4 h 02 min 12 s
